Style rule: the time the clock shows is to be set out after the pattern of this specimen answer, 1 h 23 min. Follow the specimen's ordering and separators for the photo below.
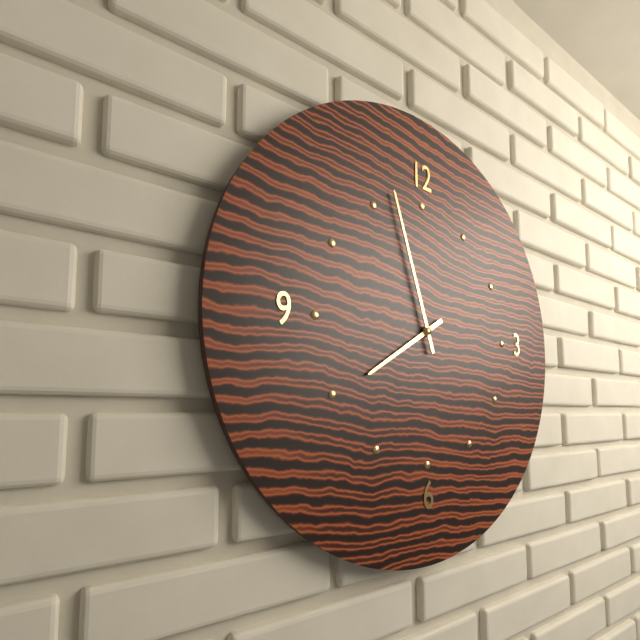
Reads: 7 h 57 min
